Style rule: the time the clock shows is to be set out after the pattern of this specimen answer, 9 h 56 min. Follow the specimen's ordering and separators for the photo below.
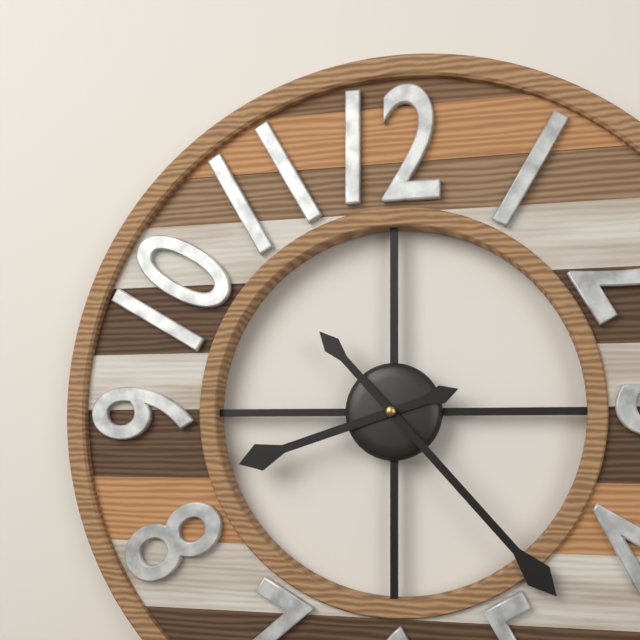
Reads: 8 h 23 min
